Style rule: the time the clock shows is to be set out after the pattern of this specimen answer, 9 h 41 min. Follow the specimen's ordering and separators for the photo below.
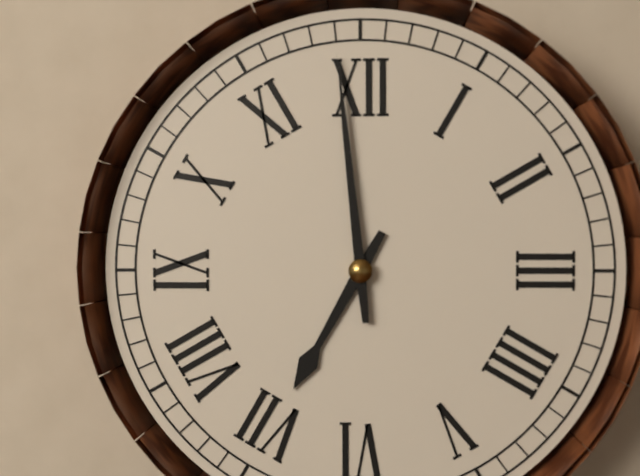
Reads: 6 h 59 min
